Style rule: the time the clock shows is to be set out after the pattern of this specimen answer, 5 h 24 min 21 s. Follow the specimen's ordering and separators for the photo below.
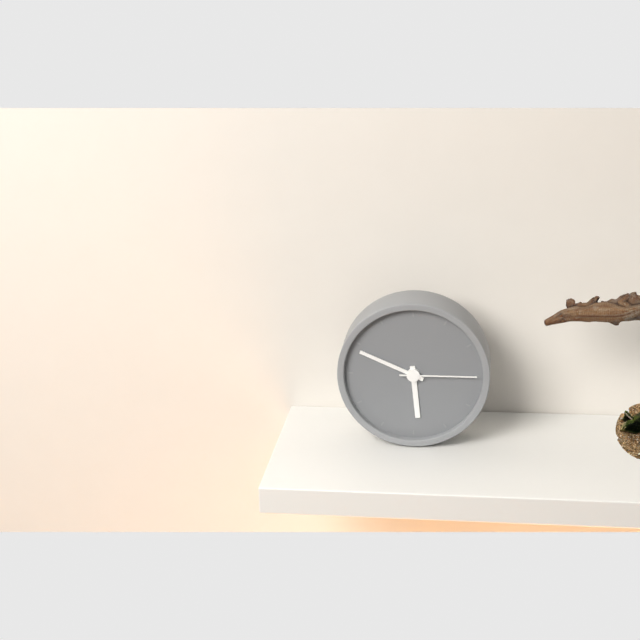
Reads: 5 h 49 min 15 s
